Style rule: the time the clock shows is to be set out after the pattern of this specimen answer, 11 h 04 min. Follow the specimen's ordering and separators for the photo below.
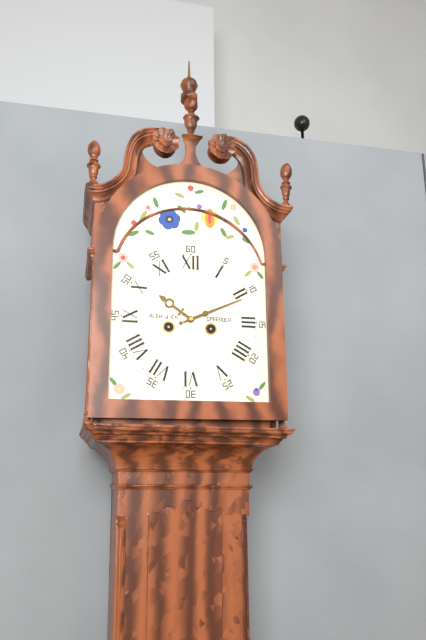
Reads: 10 h 11 min
